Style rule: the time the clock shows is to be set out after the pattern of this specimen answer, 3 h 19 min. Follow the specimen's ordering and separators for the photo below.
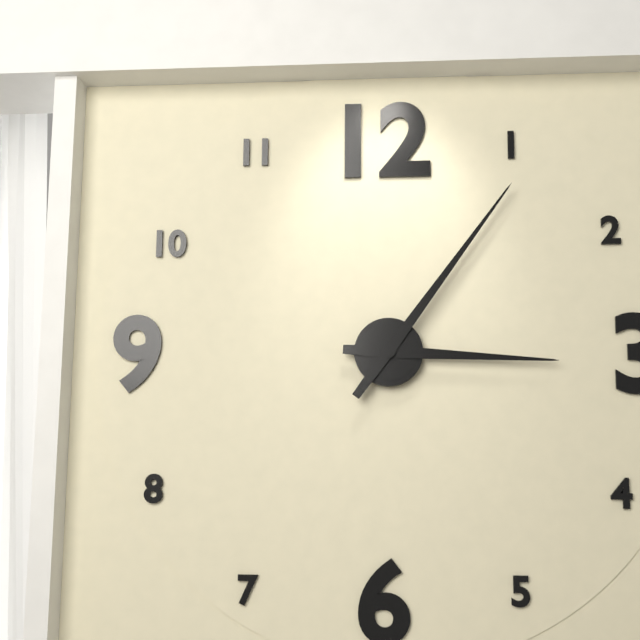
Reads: 3 h 06 min
